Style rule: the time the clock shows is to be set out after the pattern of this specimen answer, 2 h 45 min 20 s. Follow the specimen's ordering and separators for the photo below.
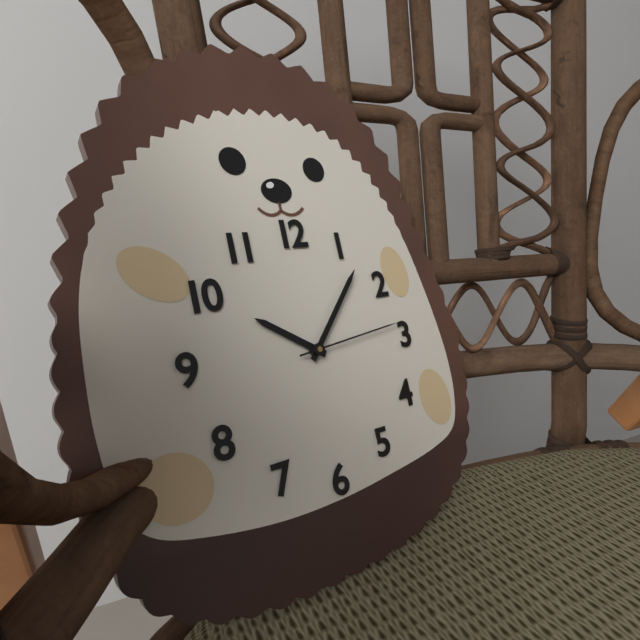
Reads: 10 h 07 min 14 s
